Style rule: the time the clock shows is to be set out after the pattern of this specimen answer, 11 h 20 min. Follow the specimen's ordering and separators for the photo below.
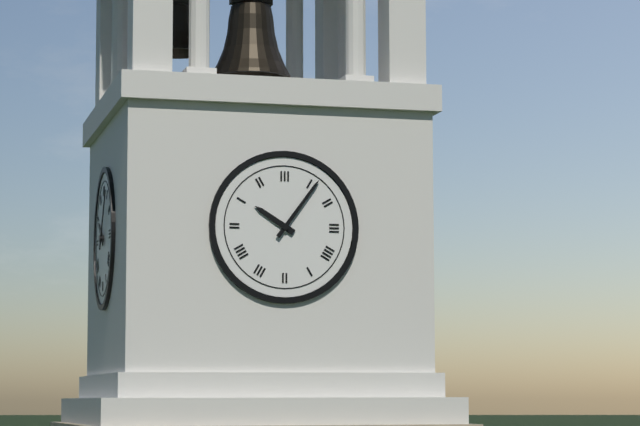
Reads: 10 h 06 min
